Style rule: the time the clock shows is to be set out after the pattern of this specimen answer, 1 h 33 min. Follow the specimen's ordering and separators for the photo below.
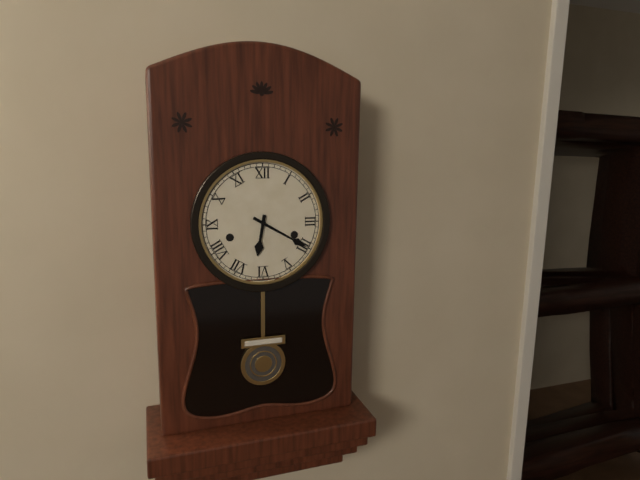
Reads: 6 h 20 min
